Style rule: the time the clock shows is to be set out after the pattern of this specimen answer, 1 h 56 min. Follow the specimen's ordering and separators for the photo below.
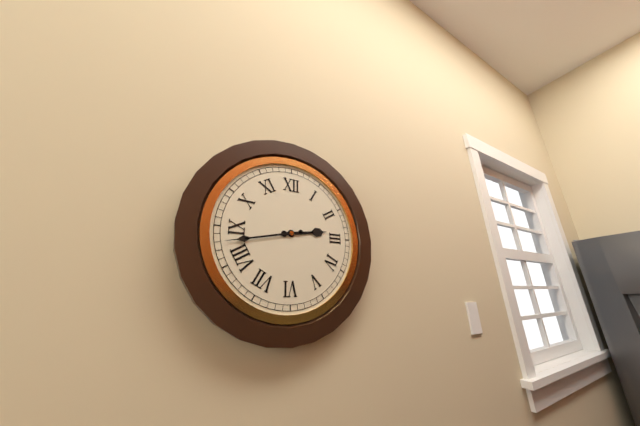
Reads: 2 h 43 min
